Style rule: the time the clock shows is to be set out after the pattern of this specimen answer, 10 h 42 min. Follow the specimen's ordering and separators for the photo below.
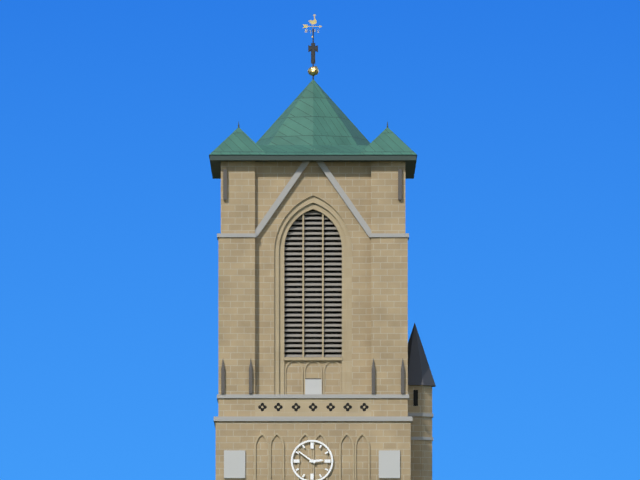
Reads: 2 h 51 min
